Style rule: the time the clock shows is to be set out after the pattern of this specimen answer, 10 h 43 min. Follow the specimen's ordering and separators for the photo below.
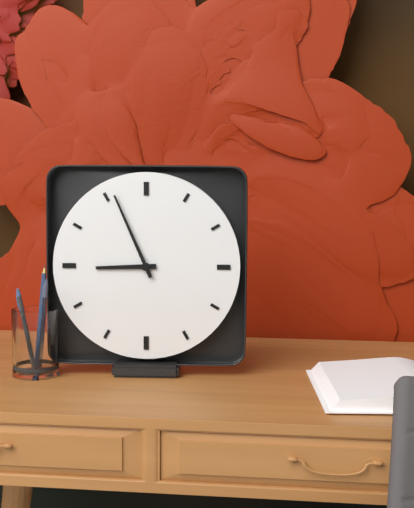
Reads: 8 h 56 min
